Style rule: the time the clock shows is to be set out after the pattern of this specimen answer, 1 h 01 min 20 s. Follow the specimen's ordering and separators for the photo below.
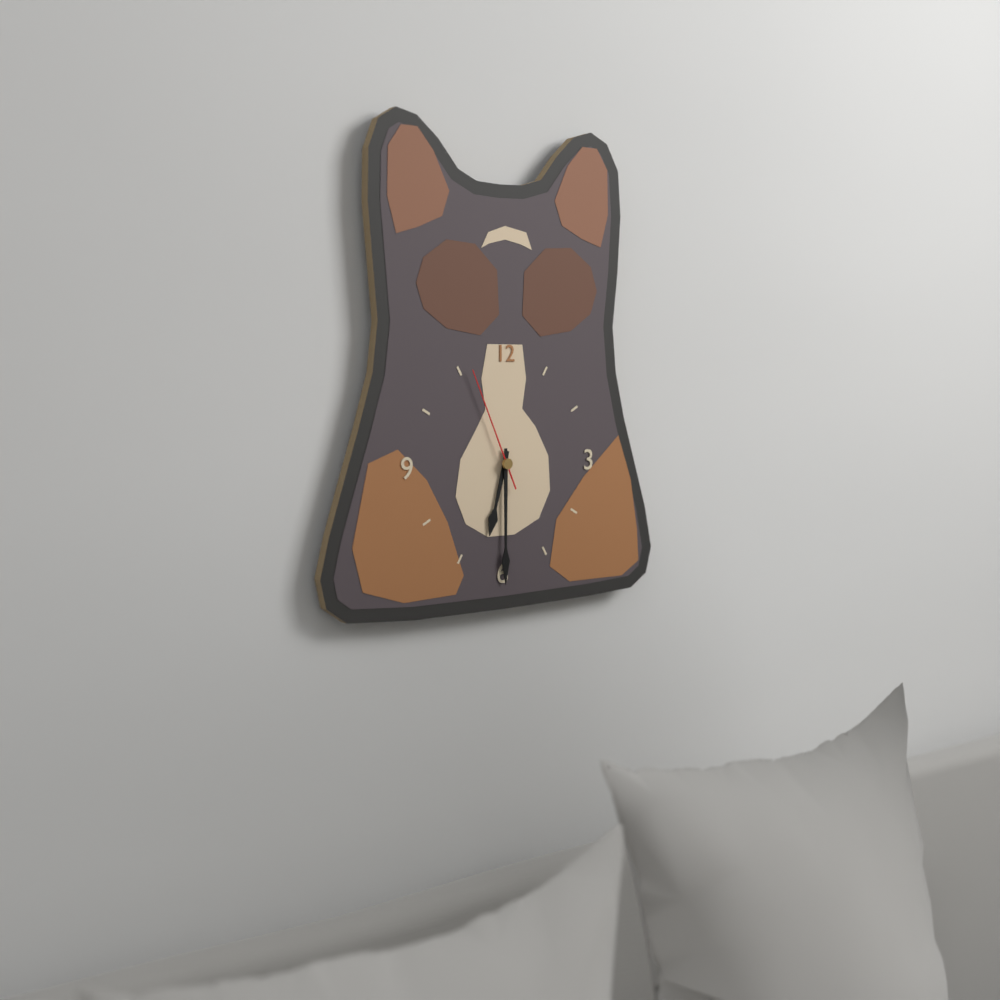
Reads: 6 h 30 min 56 s
